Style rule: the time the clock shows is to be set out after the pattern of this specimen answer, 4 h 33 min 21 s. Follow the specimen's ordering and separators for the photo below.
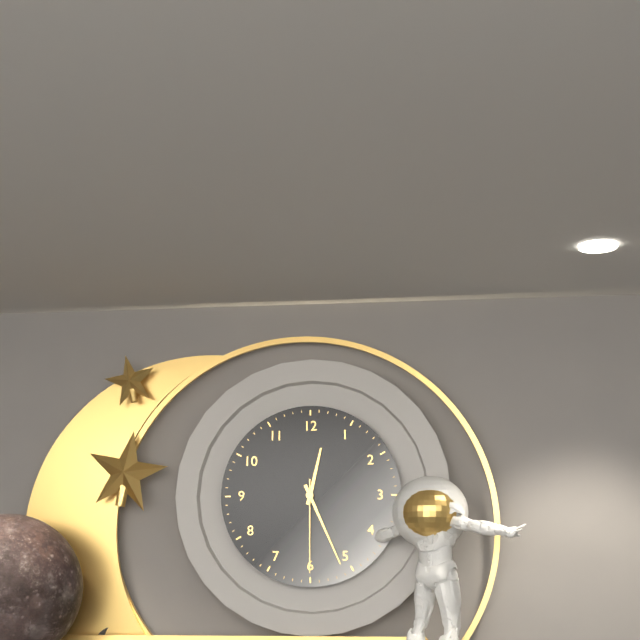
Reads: 12 h 26 min 30 s
